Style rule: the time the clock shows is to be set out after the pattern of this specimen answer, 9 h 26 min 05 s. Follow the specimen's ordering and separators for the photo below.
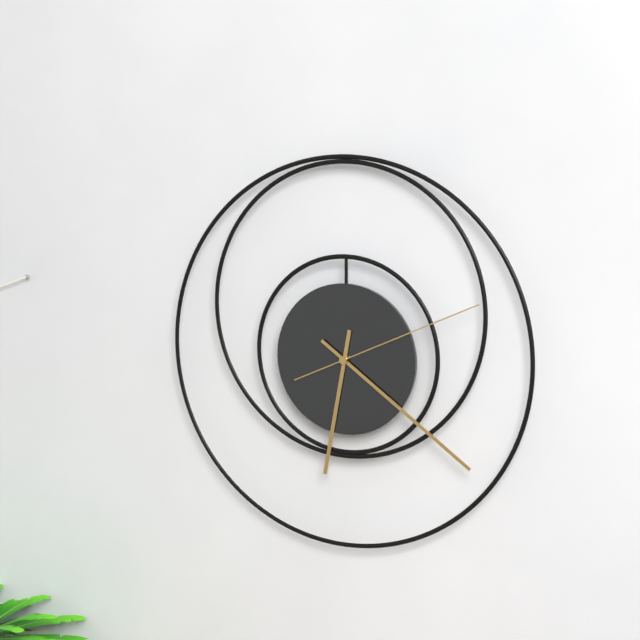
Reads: 6 h 21 min 11 s
